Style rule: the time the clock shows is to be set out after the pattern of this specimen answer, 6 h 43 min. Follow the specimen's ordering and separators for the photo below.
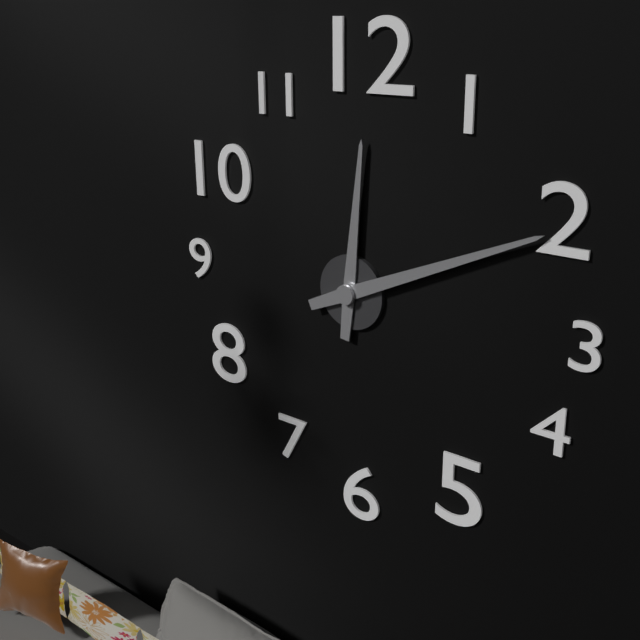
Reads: 12 h 11 min
